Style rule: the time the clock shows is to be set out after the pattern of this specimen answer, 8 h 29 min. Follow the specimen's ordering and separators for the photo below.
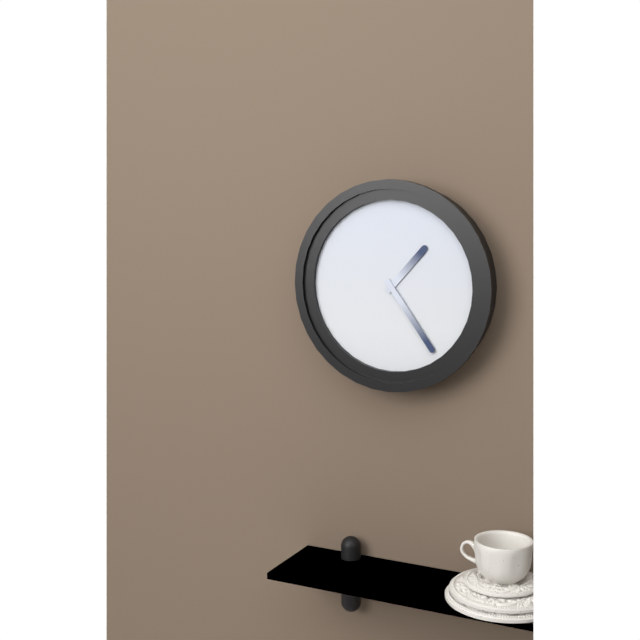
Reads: 1 h 24 min
